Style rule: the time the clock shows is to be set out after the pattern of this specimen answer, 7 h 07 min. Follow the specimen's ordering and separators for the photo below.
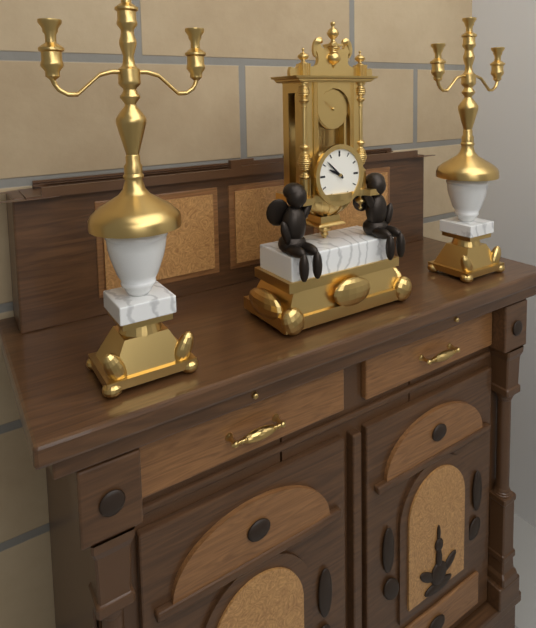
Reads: 9 h 52 min
